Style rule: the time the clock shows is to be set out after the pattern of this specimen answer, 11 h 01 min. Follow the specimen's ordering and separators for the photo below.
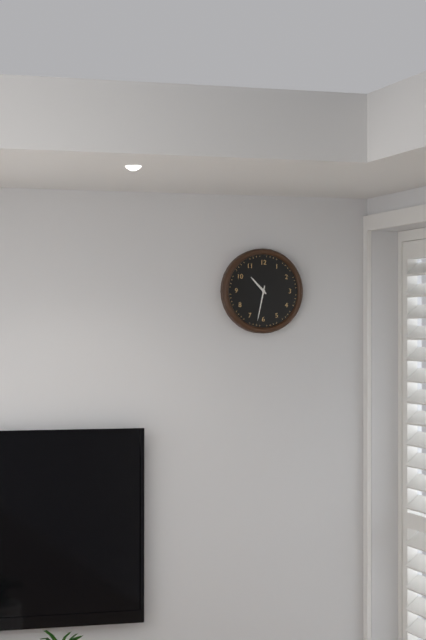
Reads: 10 h 32 min
